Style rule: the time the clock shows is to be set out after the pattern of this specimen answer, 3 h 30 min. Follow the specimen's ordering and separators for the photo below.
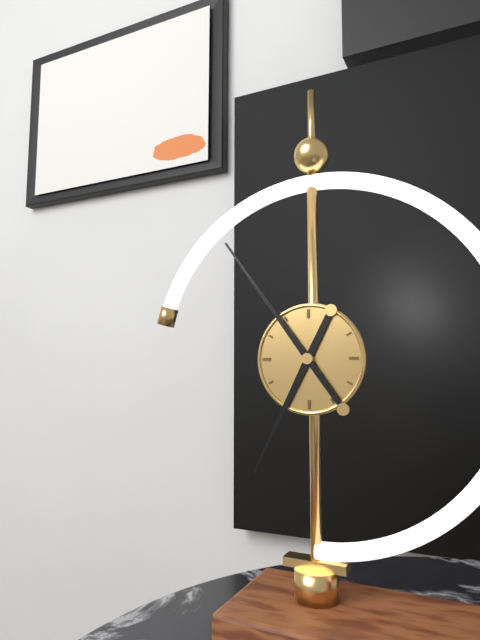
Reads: 6 h 54 min
